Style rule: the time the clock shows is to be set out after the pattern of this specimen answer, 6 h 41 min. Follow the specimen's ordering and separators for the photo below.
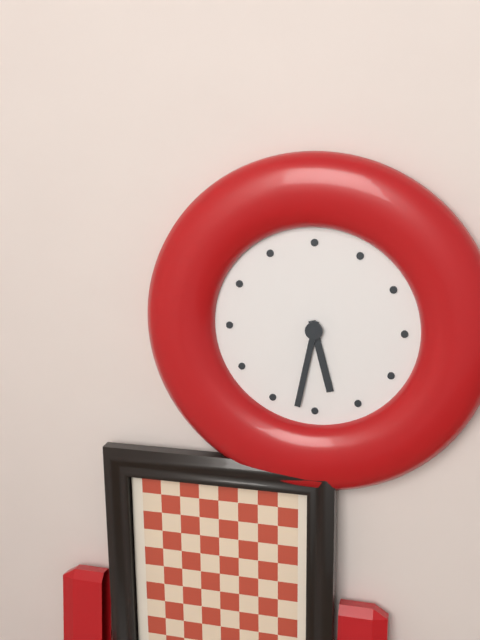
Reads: 5 h 32 min
